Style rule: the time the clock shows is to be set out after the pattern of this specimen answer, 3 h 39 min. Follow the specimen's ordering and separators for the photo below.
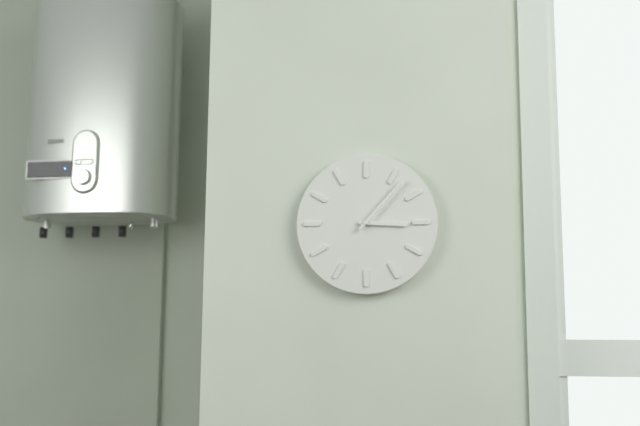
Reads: 3 h 07 min
